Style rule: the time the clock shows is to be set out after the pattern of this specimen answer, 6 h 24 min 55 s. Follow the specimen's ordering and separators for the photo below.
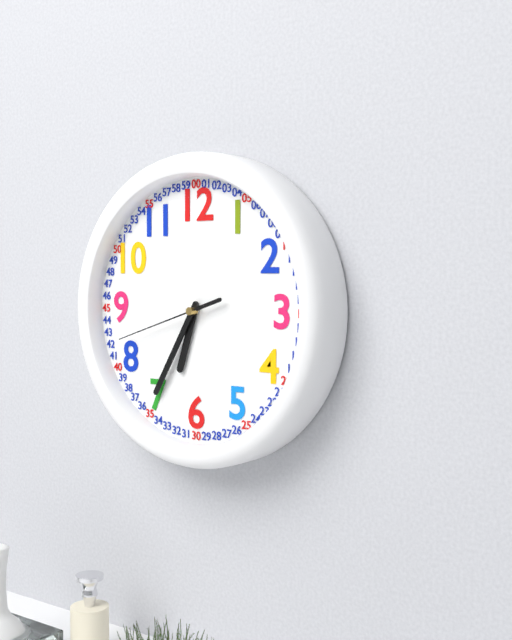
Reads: 6 h 35 min 42 s
